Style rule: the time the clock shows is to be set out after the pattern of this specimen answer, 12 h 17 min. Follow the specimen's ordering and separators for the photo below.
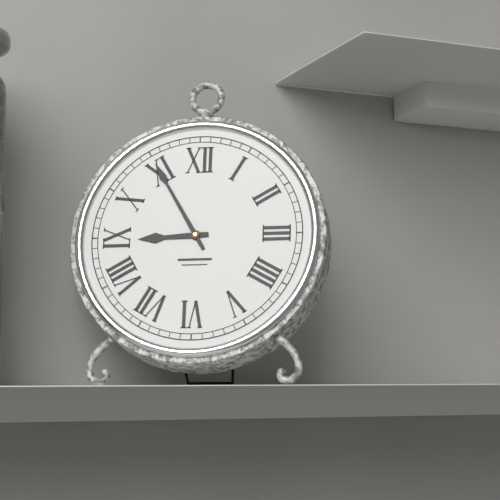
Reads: 8 h 55 min
